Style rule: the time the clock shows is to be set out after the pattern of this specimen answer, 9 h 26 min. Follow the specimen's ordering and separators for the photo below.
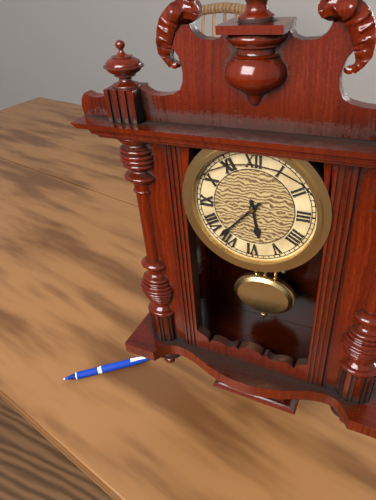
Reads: 5 h 37 min
